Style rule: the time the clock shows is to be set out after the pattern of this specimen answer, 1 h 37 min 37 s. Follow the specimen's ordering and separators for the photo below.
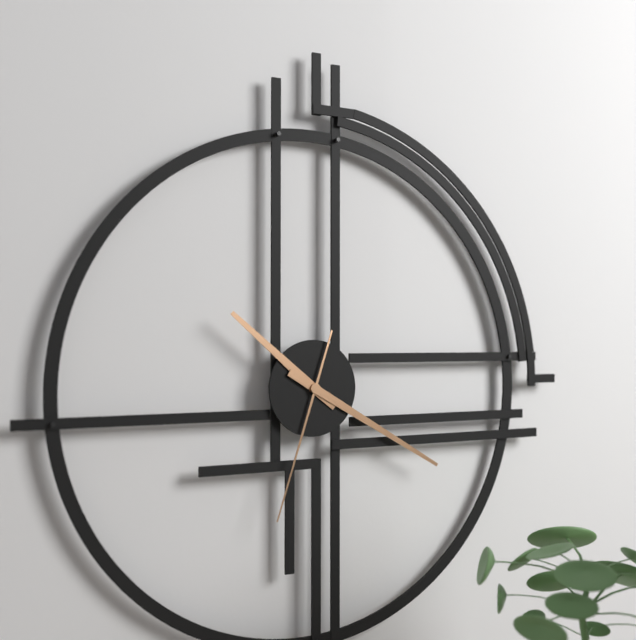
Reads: 10 h 20 min 33 s
